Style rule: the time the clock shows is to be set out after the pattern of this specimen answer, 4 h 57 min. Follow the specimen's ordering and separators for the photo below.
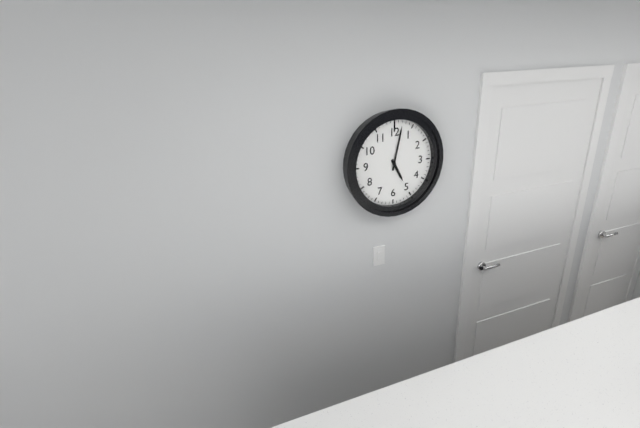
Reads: 5 h 02 min
